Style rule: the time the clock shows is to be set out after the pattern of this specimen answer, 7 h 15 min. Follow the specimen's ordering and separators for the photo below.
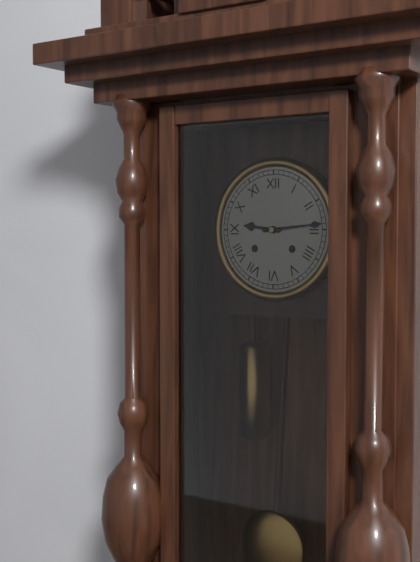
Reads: 9 h 14 min
